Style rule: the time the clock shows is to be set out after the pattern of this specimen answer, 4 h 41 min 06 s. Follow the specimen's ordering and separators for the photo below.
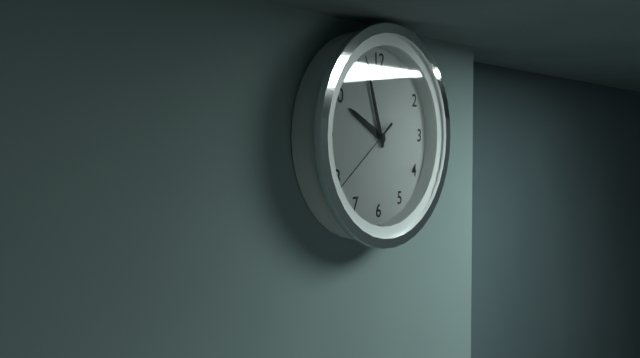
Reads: 9 h 57 min 39 s
